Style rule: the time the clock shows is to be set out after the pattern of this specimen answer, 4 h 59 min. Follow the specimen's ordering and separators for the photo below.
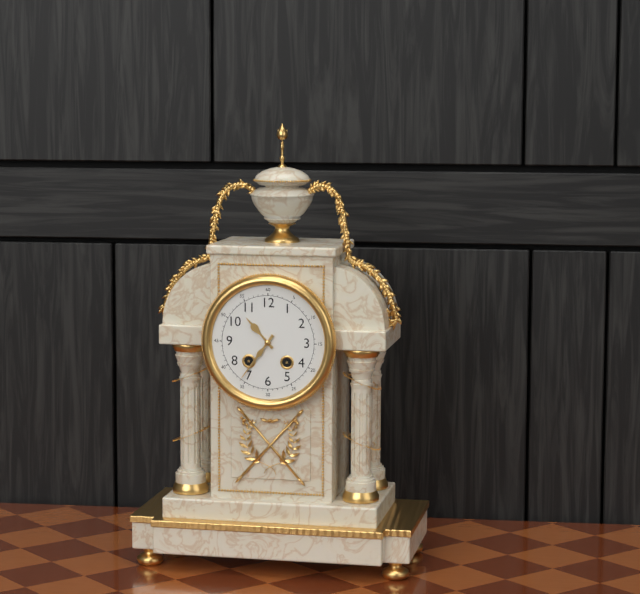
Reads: 10 h 36 min
